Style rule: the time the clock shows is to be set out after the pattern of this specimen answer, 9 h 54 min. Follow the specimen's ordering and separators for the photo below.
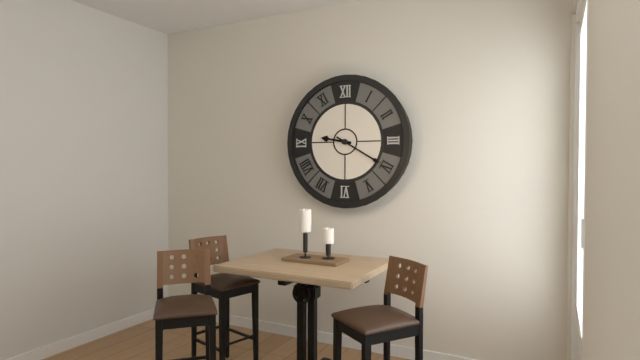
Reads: 9 h 20 min
